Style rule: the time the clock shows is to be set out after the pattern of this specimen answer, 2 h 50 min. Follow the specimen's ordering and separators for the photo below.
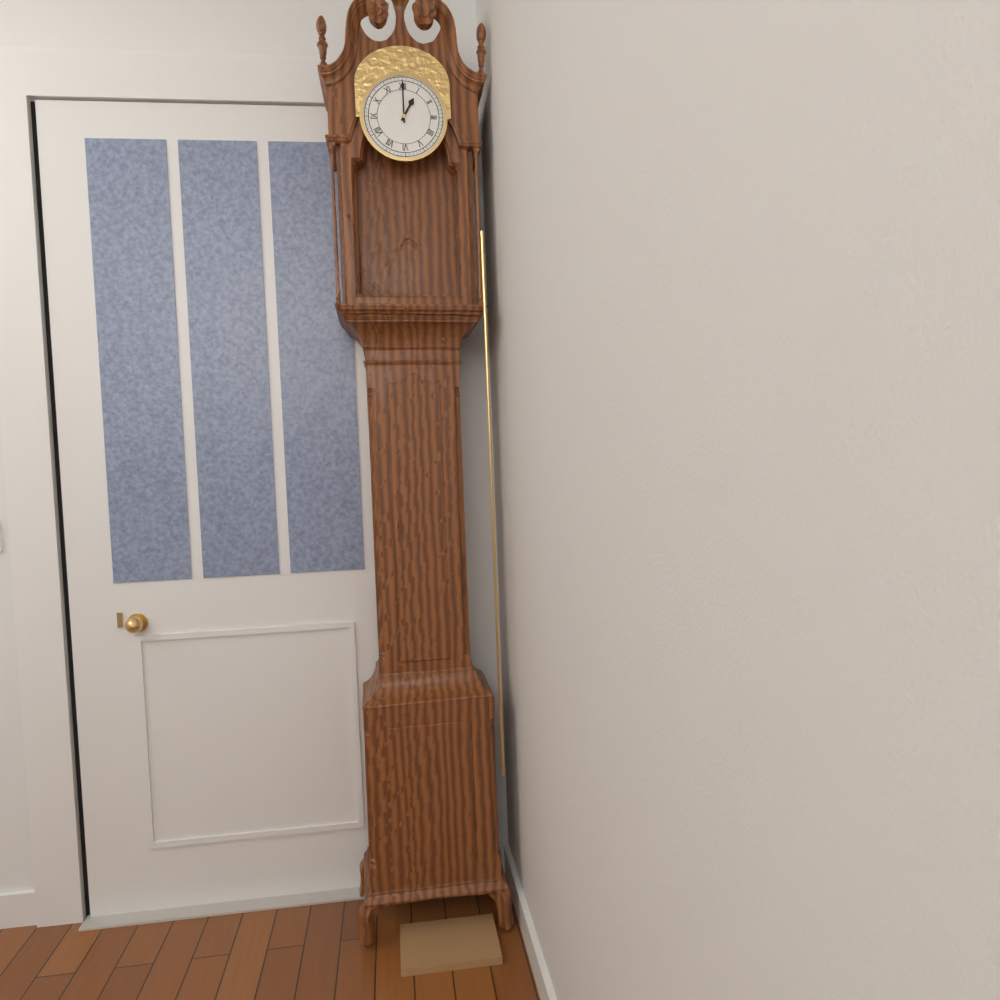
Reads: 1 h 00 min
